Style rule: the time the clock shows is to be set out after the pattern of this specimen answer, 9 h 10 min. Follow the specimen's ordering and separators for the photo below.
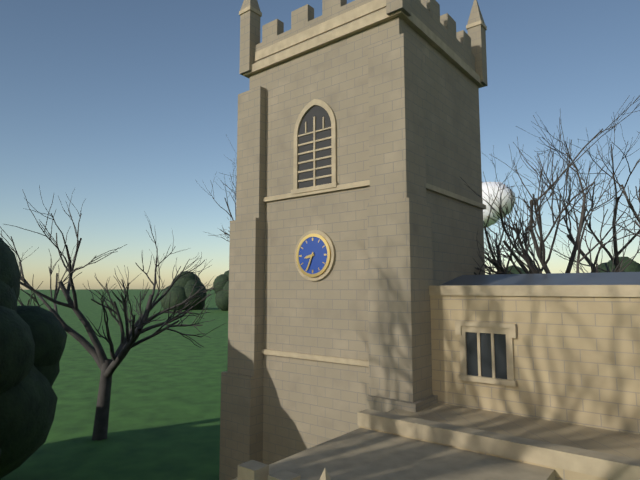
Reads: 8 h 34 min
